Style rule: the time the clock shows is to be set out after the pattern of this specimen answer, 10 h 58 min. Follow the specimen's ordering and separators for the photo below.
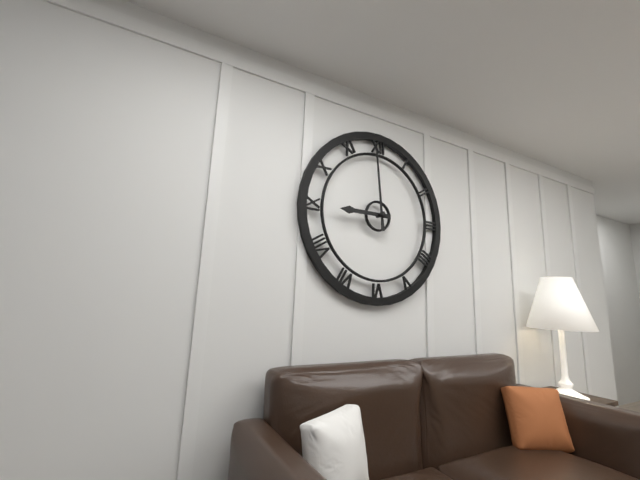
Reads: 8 h 59 min
